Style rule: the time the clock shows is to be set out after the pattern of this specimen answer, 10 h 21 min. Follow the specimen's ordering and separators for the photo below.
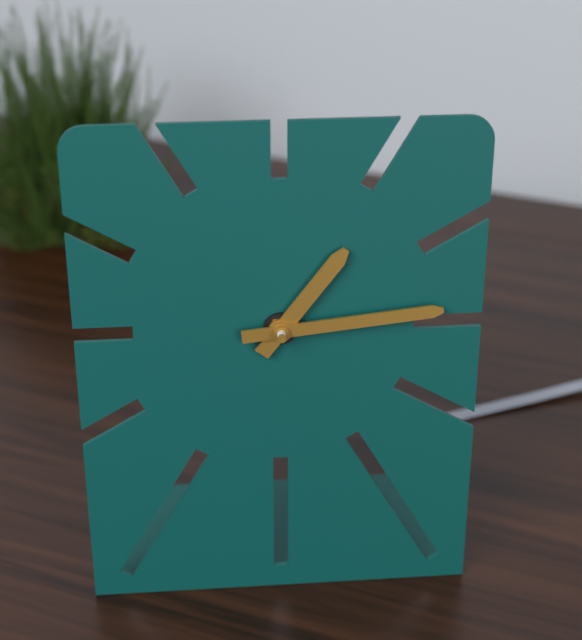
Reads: 1 h 14 min
